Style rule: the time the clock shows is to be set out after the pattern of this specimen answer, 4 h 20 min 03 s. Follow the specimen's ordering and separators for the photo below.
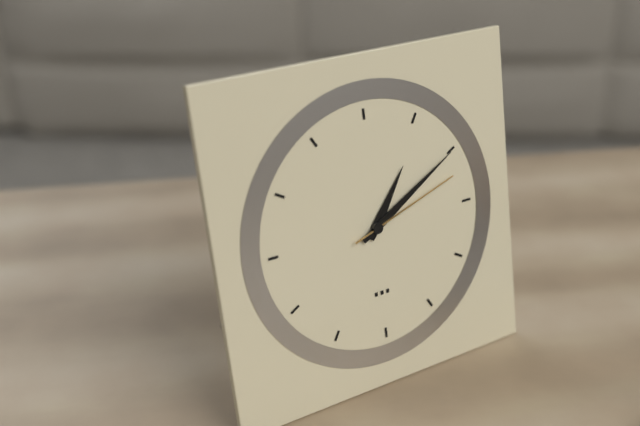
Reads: 1 h 10 min 12 s
